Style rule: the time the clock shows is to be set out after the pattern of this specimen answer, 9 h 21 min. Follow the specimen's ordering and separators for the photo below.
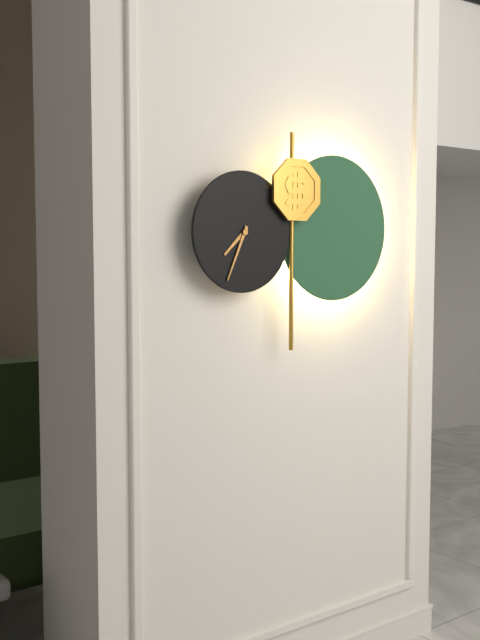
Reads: 7 h 34 min
